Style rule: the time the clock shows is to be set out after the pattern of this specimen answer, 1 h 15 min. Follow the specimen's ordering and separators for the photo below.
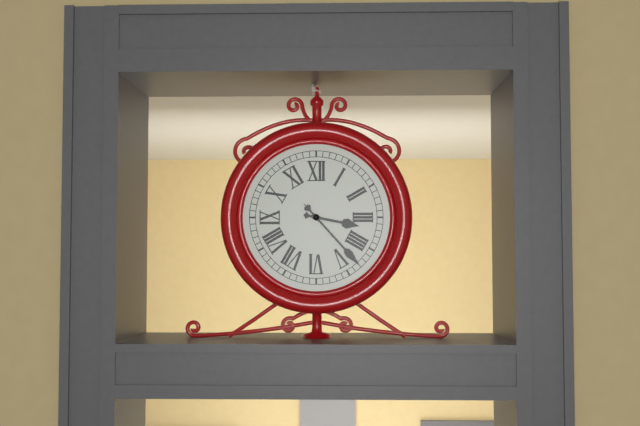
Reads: 3 h 23 min
